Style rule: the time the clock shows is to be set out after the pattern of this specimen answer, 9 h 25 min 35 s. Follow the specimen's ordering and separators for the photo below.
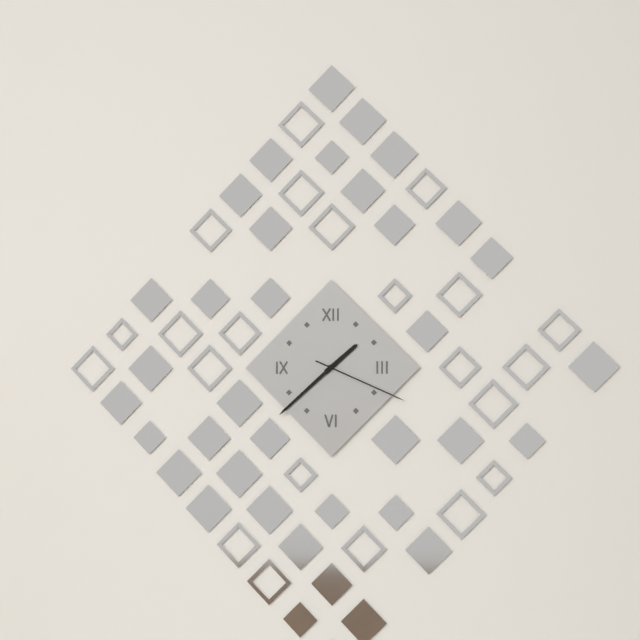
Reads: 1 h 38 min 19 s
